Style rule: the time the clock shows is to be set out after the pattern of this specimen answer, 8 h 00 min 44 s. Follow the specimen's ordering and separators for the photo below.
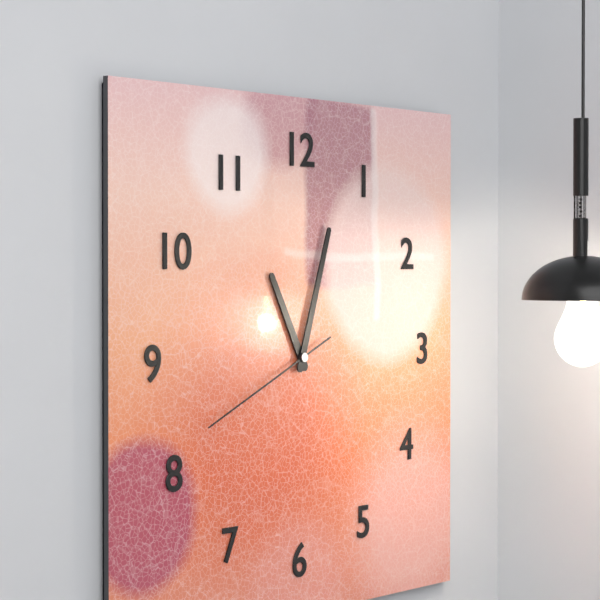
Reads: 11 h 03 min 41 s
